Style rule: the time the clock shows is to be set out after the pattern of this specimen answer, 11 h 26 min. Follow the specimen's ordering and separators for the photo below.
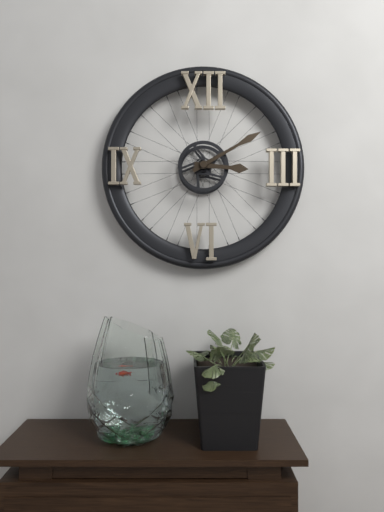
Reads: 3 h 10 min
